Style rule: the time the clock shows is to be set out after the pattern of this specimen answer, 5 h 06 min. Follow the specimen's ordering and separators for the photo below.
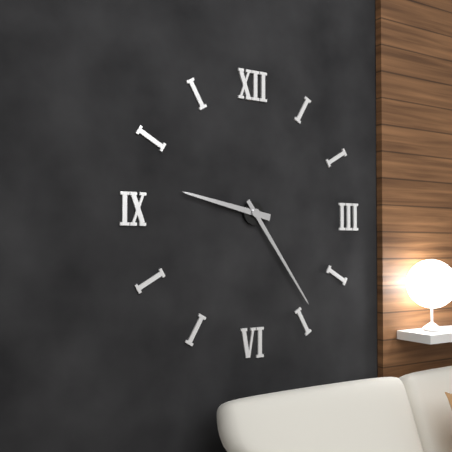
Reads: 9 h 24 min
